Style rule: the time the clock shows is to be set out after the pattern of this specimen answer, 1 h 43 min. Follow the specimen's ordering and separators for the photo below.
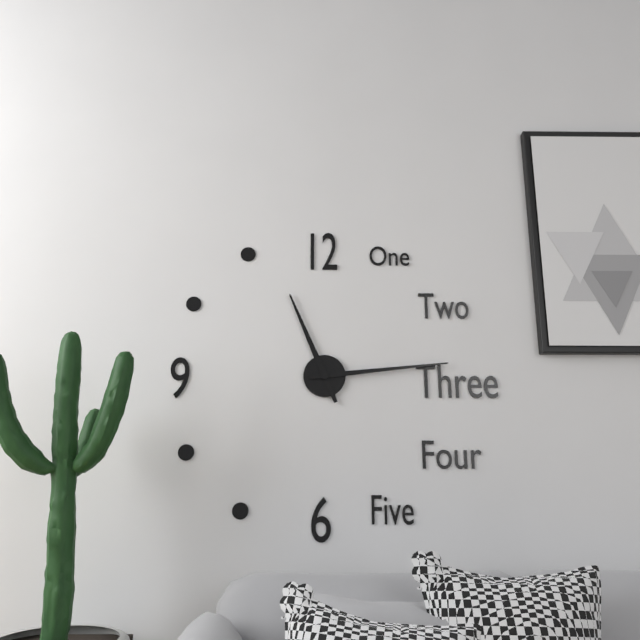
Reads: 11 h 14 min
